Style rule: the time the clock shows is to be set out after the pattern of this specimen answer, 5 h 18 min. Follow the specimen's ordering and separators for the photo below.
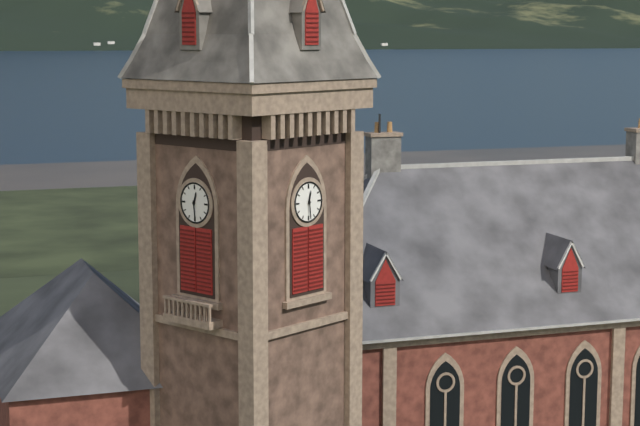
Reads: 12 h 29 min
